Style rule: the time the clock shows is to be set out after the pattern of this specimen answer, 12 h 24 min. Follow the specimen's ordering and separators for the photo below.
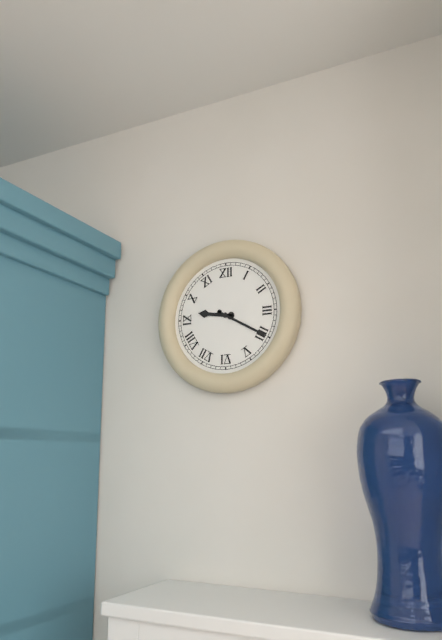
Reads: 9 h 20 min
